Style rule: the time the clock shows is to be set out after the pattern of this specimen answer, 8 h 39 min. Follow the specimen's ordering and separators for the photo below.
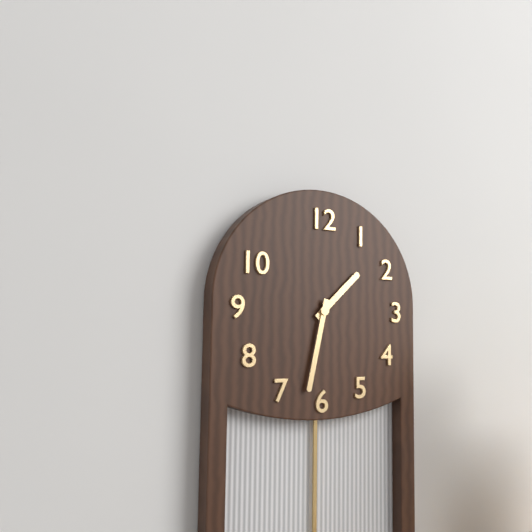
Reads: 1 h 32 min
